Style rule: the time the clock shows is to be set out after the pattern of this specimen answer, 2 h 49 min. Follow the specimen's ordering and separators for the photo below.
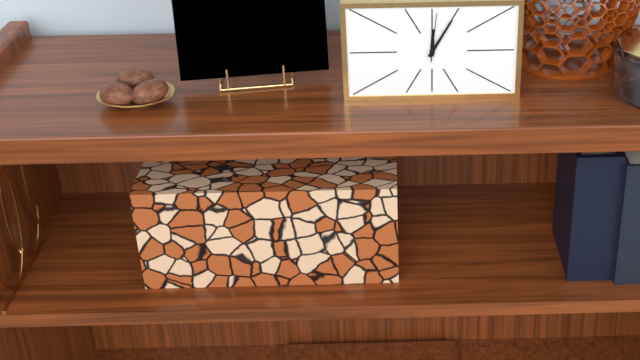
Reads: 12 h 05 min
